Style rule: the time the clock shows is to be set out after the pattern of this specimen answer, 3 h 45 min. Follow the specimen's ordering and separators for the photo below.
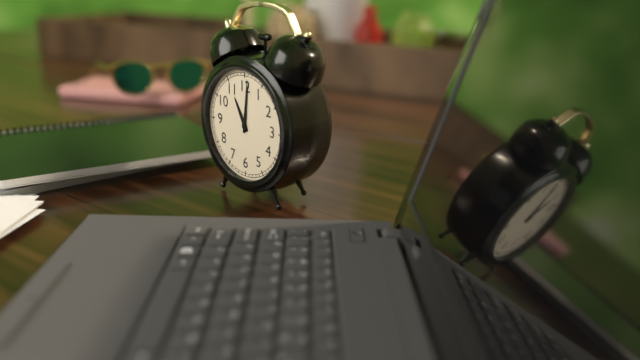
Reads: 11 h 01 min
